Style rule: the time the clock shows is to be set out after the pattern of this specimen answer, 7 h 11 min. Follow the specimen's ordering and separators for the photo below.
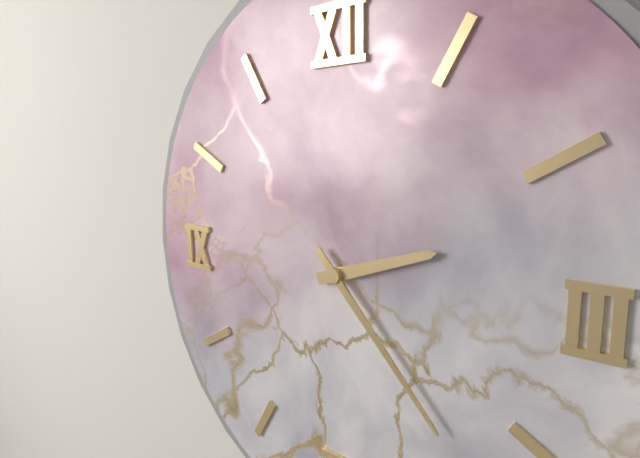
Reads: 2 h 23 min
